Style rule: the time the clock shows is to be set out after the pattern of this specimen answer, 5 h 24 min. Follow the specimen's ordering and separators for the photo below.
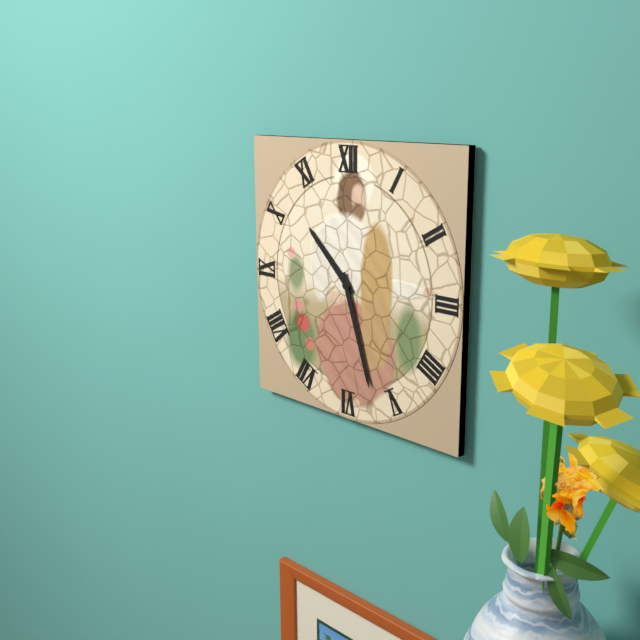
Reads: 10 h 27 min
